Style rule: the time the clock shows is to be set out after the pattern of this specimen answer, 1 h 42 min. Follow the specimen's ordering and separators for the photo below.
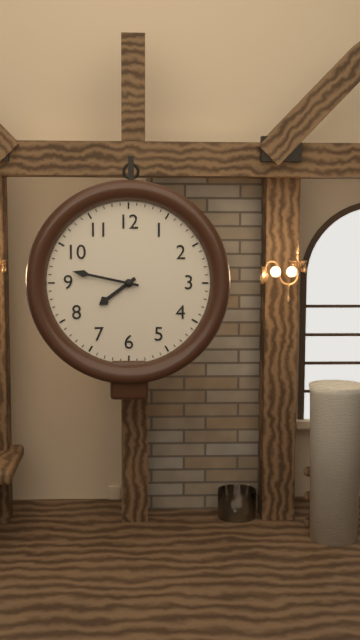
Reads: 7 h 47 min
